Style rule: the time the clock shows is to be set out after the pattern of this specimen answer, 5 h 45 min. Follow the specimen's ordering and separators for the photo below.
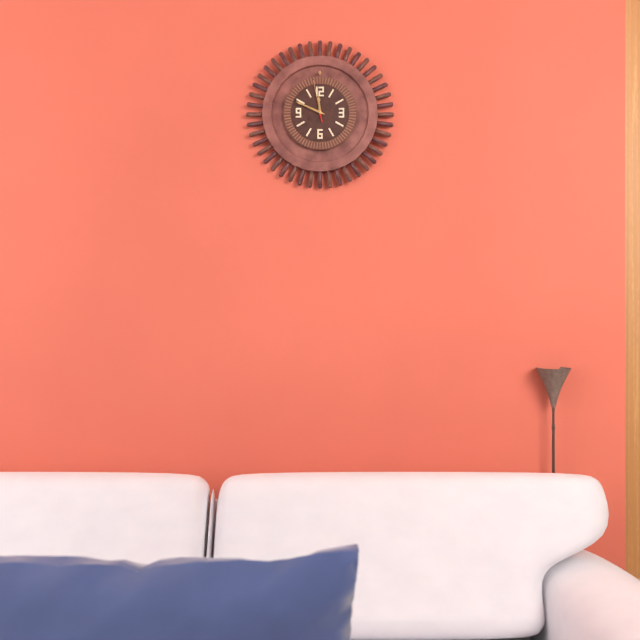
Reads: 11 h 49 min
